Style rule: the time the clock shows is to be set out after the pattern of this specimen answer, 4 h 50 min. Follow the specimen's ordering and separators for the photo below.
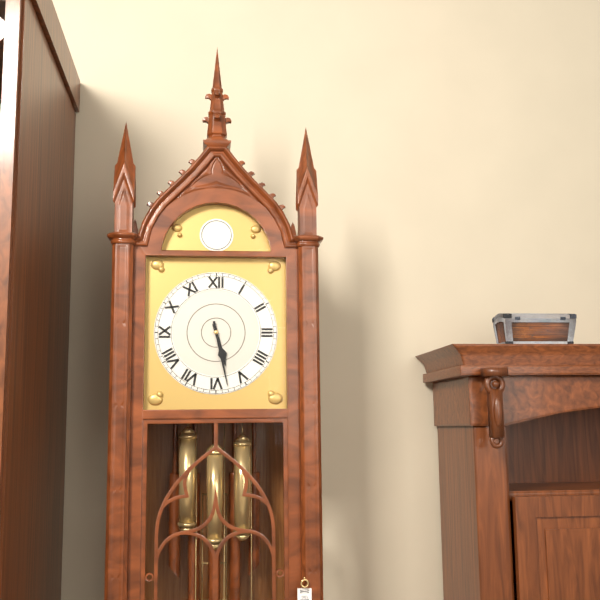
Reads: 5 h 28 min
